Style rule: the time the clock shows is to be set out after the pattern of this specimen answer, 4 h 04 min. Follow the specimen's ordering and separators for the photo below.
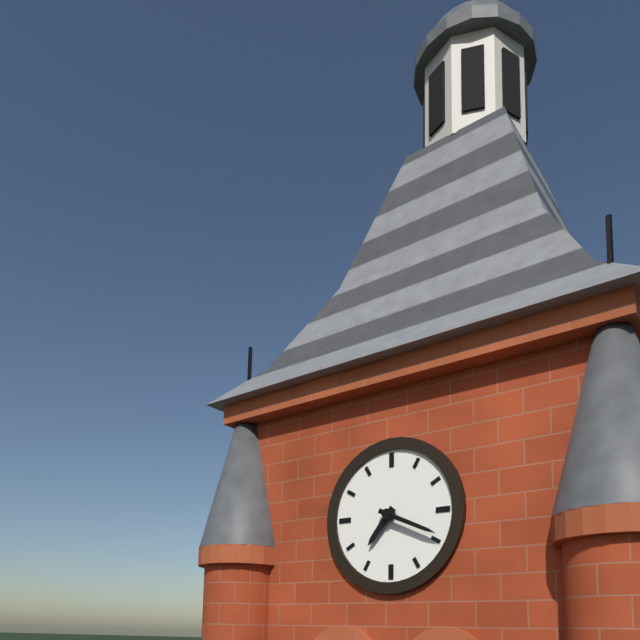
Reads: 7 h 19 min
